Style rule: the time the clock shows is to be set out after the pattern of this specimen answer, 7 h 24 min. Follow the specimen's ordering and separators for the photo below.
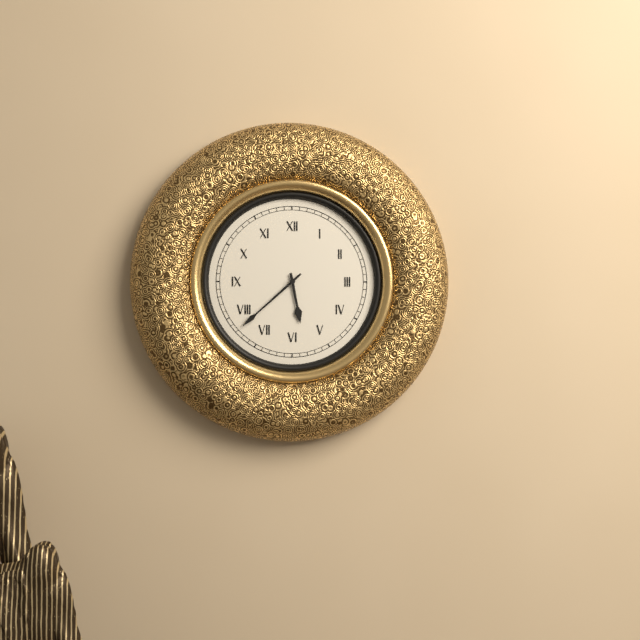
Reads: 5 h 38 min
